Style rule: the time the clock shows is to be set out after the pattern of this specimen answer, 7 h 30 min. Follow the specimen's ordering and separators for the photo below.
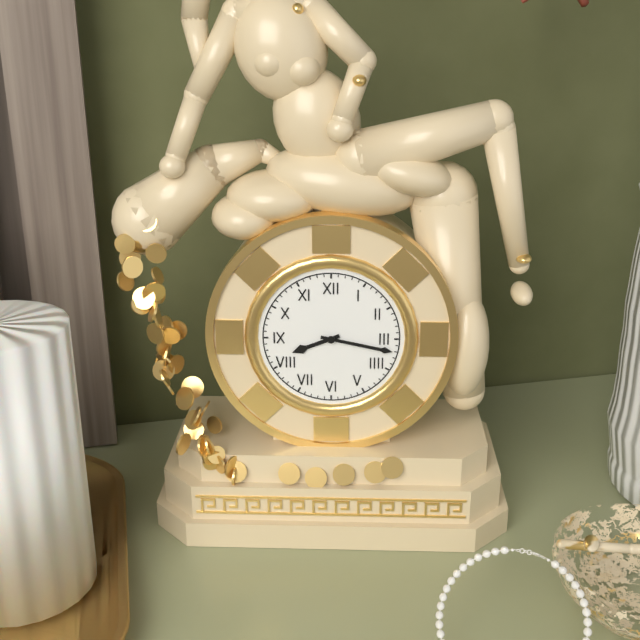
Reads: 8 h 17 min
